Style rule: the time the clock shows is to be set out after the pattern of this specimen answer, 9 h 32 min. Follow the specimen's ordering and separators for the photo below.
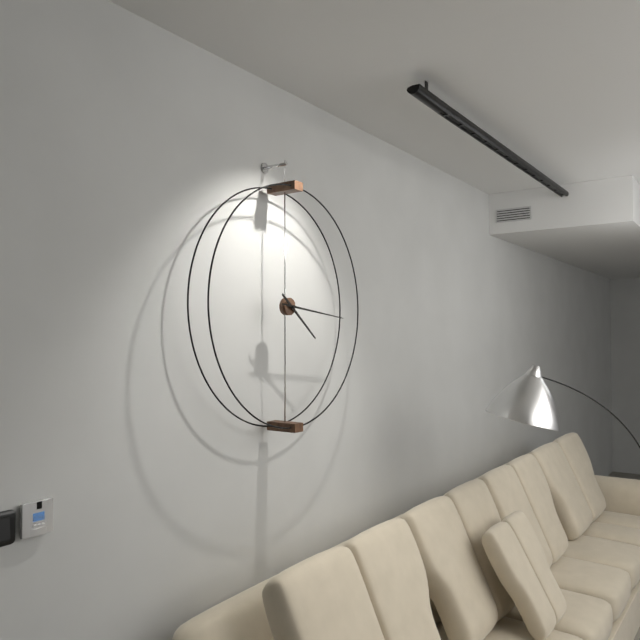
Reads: 4 h 16 min
